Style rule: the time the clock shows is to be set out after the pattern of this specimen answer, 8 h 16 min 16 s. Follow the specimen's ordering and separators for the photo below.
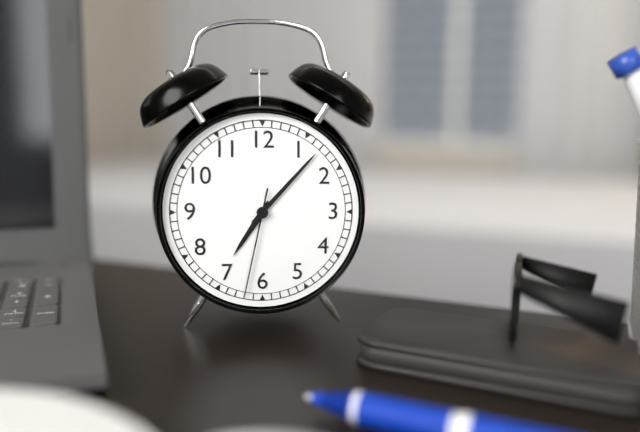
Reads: 7 h 07 min 32 s
